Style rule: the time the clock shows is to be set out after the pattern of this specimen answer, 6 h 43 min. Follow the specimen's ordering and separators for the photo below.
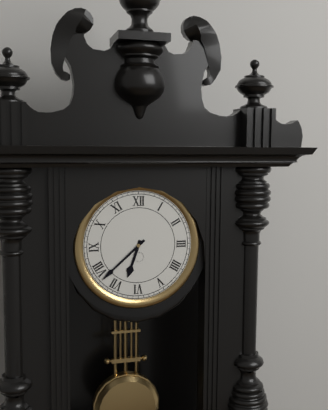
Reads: 6 h 38 min
